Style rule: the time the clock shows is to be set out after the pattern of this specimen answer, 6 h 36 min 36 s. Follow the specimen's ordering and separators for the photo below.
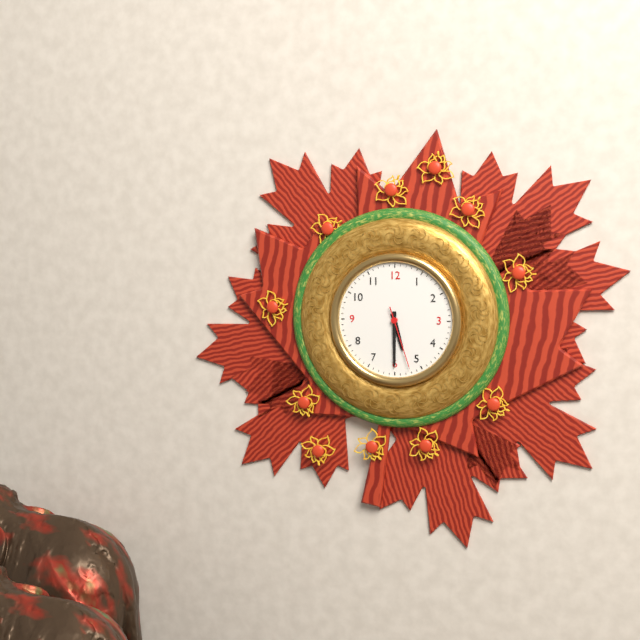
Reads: 5 h 30 min 27 s
